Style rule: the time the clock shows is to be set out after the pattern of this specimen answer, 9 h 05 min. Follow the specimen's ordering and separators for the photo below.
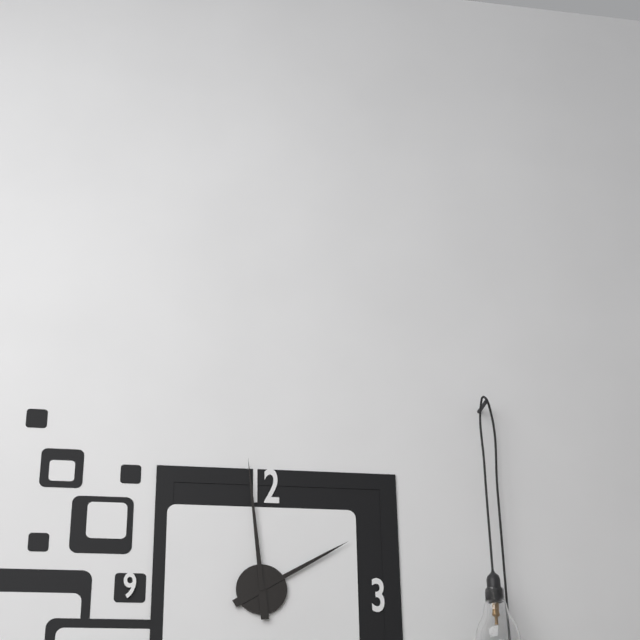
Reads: 1 h 59 min
